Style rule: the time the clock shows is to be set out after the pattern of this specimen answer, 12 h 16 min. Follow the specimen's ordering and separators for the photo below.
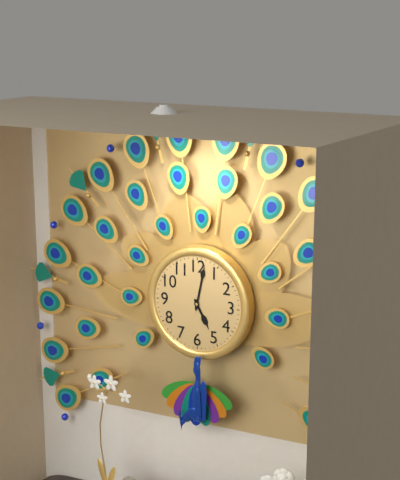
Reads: 5 h 02 min
